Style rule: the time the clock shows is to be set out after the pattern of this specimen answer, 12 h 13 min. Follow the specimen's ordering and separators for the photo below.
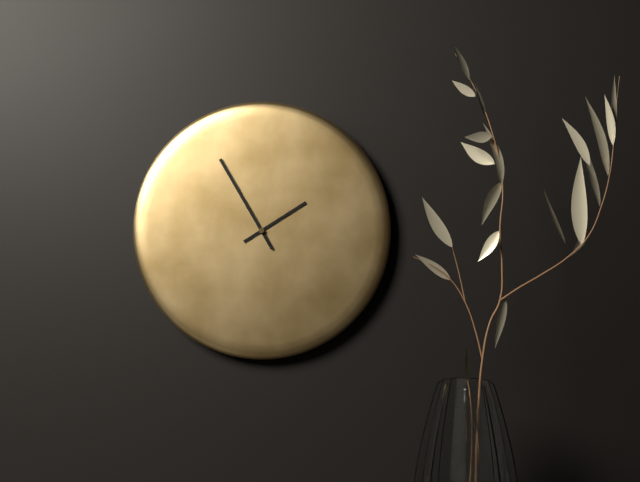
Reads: 1 h 55 min
